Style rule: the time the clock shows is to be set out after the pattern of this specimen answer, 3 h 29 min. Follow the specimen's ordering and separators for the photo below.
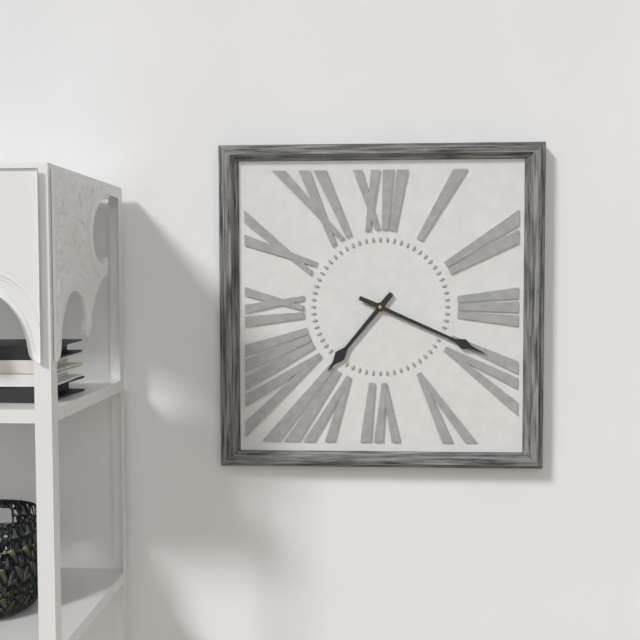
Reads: 7 h 19 min
